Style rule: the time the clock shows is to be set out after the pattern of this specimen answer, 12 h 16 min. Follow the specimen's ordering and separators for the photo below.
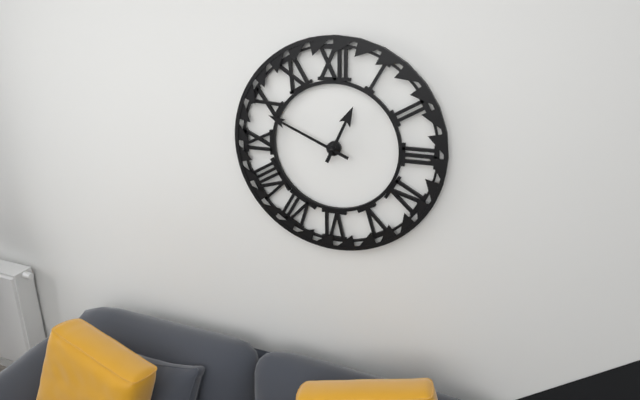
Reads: 12 h 49 min
